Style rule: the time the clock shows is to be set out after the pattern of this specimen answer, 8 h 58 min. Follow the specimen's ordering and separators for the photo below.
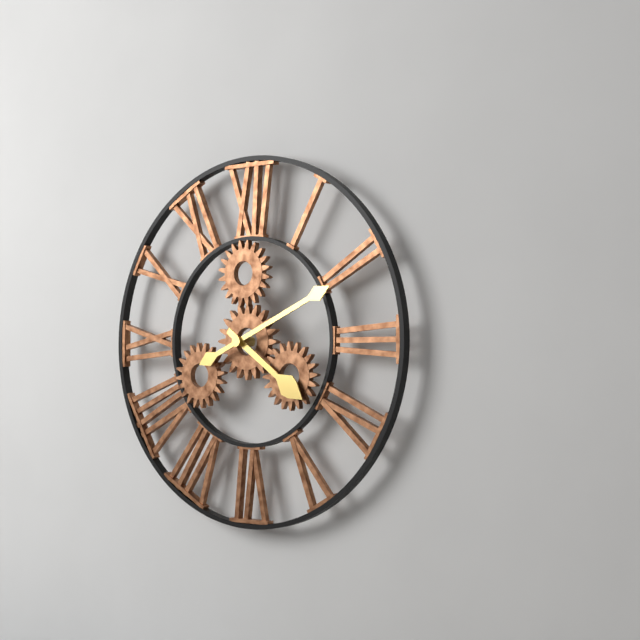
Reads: 4 h 11 min
